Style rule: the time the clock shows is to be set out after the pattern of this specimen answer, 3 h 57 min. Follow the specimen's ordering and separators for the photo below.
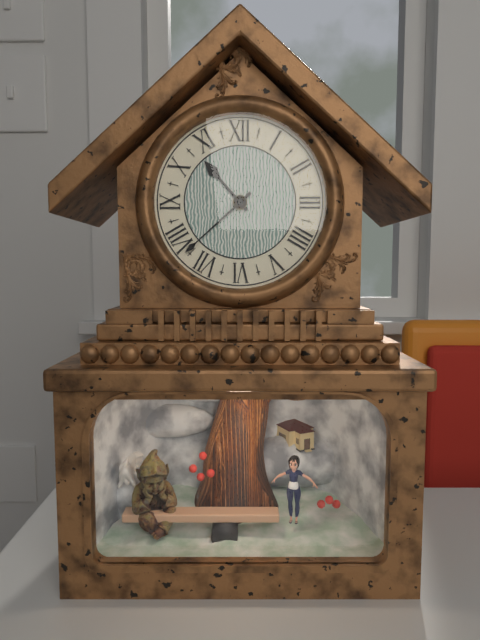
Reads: 10 h 38 min
